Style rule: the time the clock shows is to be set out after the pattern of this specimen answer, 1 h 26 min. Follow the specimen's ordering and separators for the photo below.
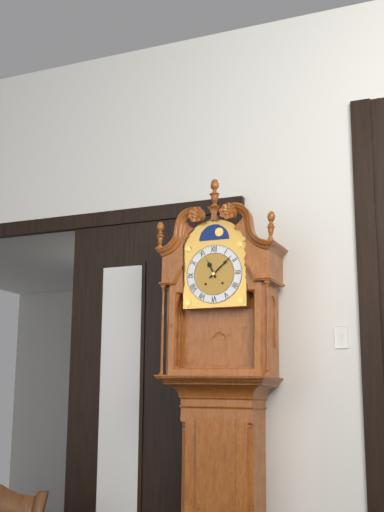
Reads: 11 h 08 min
